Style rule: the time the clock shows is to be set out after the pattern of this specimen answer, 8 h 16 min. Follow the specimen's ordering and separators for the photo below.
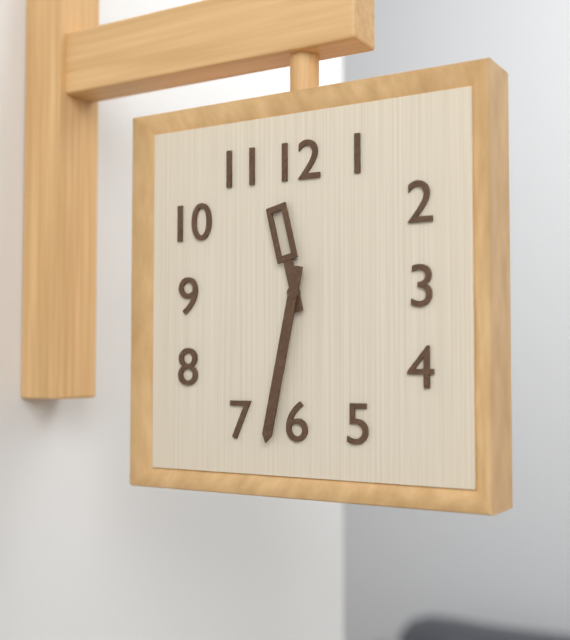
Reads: 11 h 32 min
